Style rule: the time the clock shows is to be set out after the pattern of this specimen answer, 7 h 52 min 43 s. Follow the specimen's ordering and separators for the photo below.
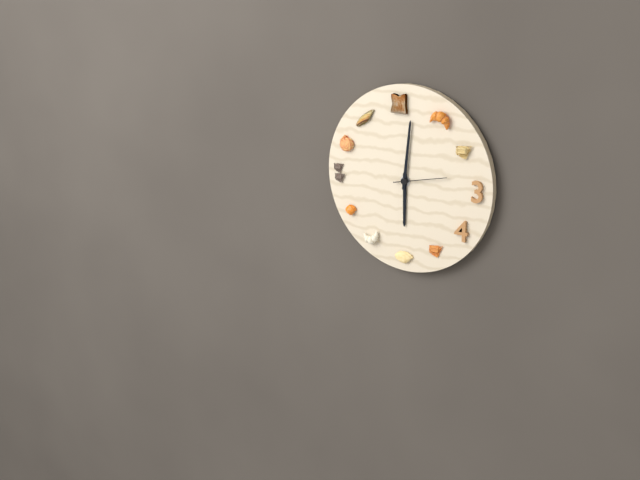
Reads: 6 h 01 min 13 s
